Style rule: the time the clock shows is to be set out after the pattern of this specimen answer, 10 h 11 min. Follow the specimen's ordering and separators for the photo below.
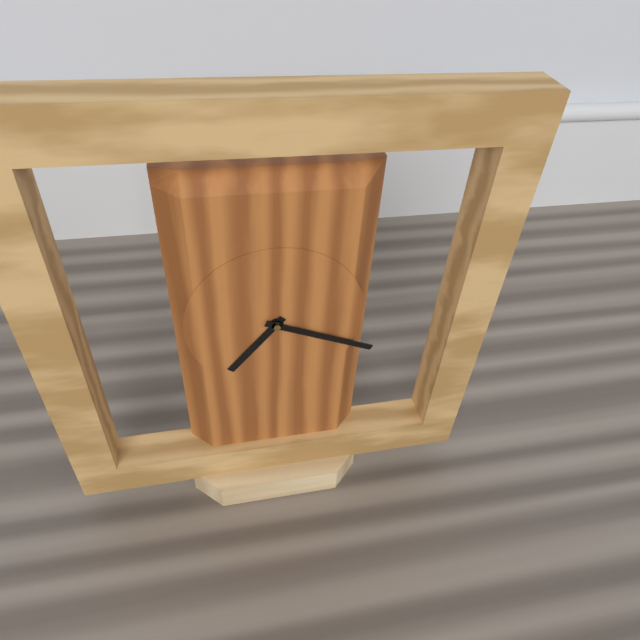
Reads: 7 h 19 min
